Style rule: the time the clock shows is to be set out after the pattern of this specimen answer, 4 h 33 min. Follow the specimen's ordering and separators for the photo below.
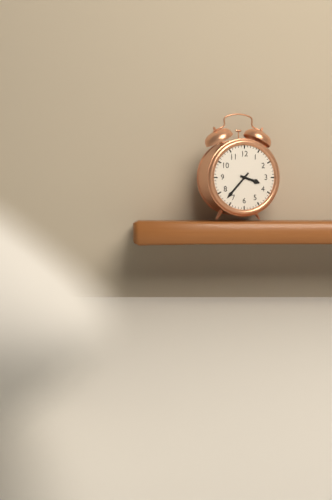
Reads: 3 h 37 min
